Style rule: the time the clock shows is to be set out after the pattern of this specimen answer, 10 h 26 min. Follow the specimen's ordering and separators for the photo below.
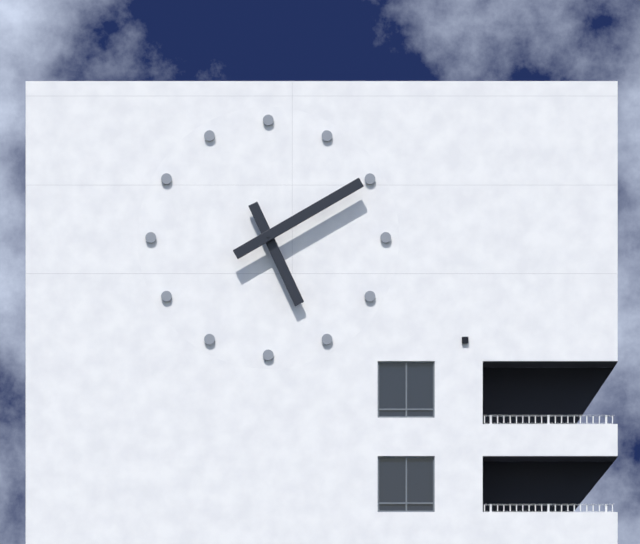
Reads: 5 h 10 min
